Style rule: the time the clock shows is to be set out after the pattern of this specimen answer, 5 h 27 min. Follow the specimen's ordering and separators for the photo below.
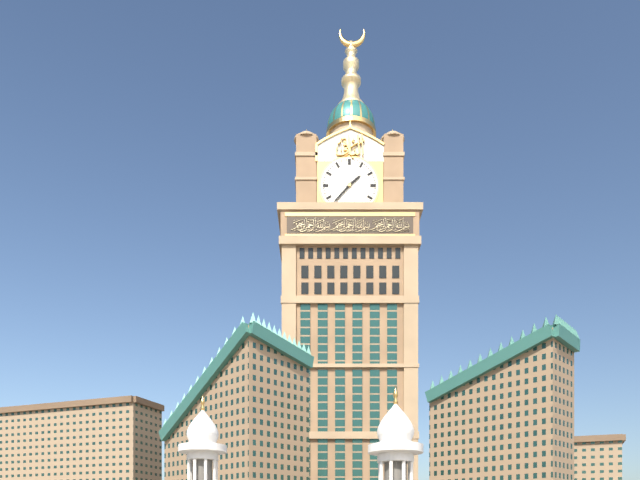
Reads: 1 h 37 min
